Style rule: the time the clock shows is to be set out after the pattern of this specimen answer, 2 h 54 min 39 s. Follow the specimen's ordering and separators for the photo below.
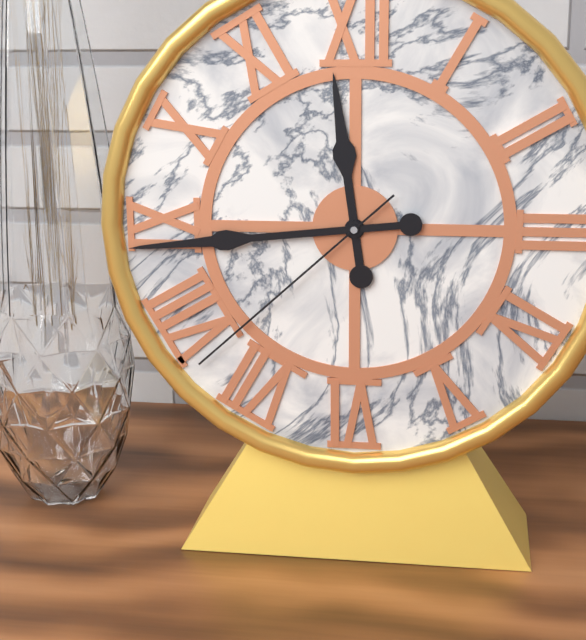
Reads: 11 h 44 min 38 s
